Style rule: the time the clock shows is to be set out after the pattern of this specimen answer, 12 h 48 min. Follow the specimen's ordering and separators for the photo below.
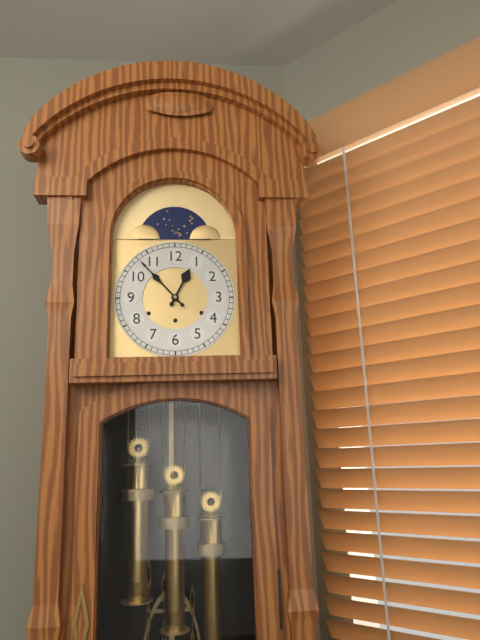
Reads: 12 h 53 min
